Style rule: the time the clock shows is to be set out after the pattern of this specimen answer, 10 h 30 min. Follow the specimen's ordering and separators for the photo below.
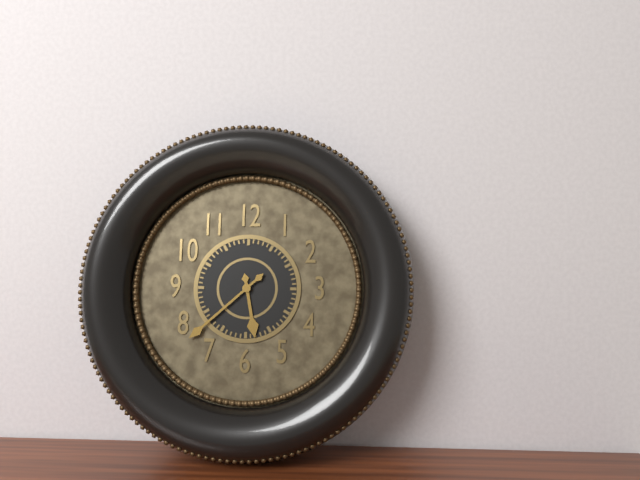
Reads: 5 h 38 min
